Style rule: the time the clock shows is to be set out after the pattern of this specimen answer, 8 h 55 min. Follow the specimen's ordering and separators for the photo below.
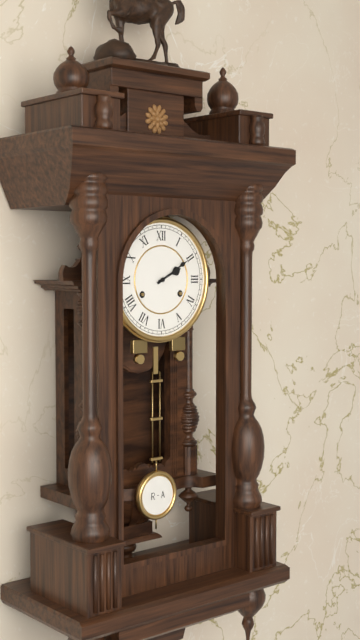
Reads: 2 h 10 min
